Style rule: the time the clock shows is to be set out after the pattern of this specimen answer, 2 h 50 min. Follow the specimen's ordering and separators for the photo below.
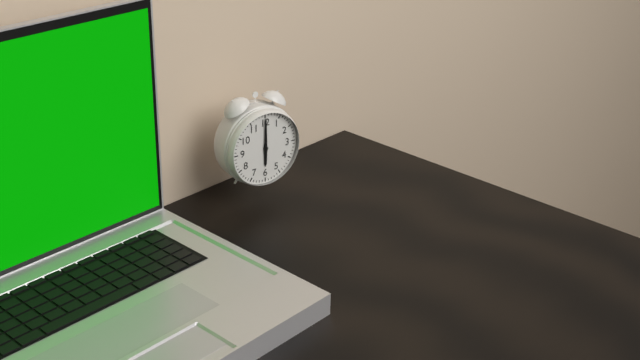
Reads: 6 h 00 min
